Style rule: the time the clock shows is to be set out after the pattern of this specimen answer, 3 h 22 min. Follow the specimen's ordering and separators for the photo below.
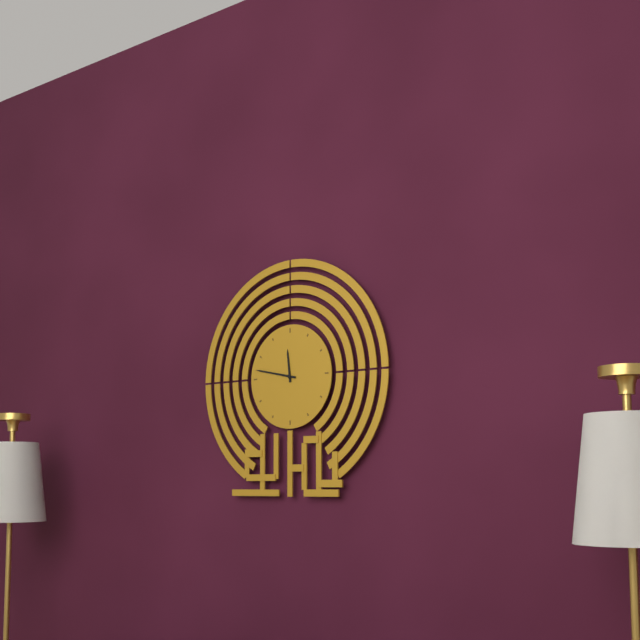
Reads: 11 h 47 min
